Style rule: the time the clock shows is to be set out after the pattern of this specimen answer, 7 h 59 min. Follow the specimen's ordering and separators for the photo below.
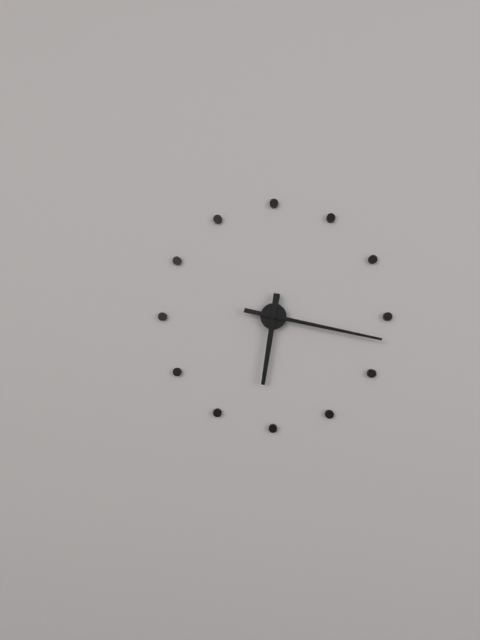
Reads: 6 h 17 min
